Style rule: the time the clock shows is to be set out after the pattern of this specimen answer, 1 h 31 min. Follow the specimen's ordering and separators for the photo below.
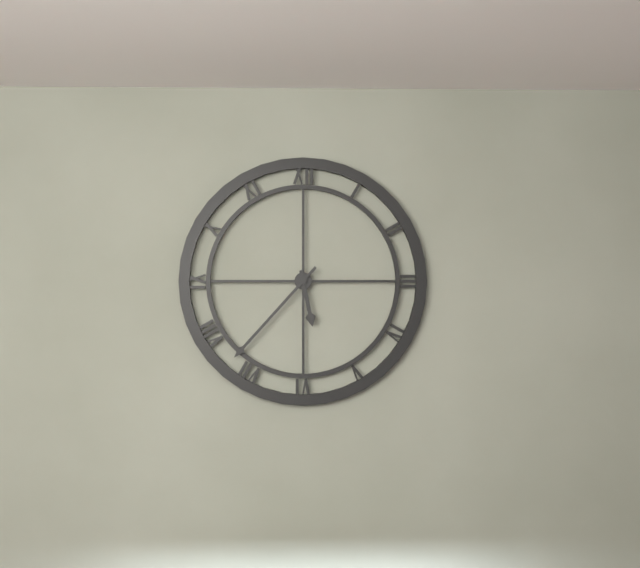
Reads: 5 h 37 min
